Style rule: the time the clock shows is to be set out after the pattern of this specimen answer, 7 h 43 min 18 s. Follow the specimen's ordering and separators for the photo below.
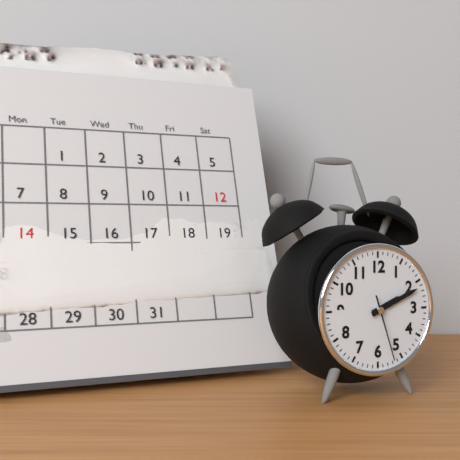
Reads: 2 h 11 min 27 s
